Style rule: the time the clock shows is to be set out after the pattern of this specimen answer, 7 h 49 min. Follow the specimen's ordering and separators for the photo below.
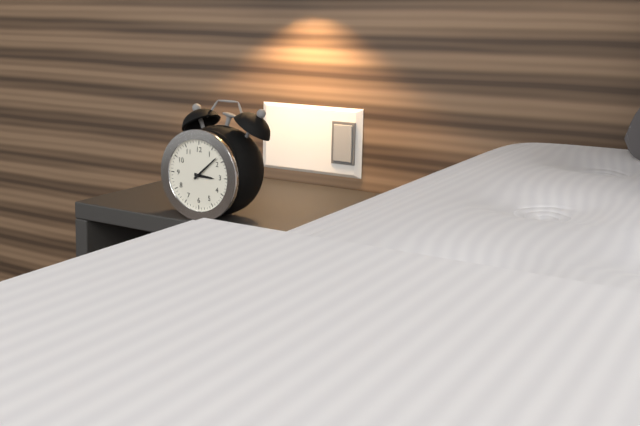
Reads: 3 h 08 min
